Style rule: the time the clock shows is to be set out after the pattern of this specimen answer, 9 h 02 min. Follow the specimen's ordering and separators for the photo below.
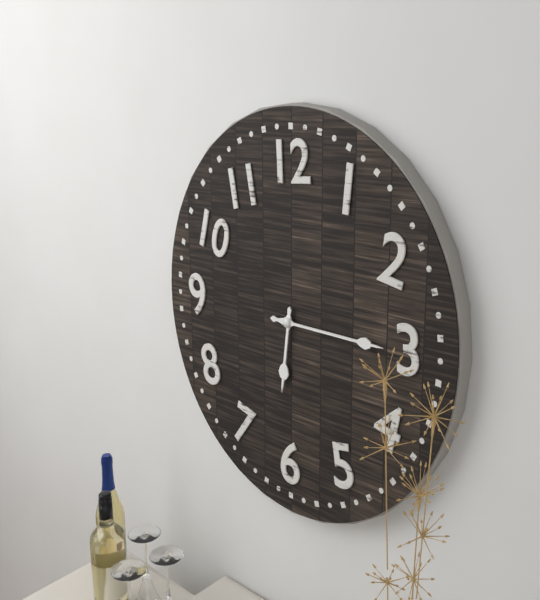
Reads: 6 h 15 min
